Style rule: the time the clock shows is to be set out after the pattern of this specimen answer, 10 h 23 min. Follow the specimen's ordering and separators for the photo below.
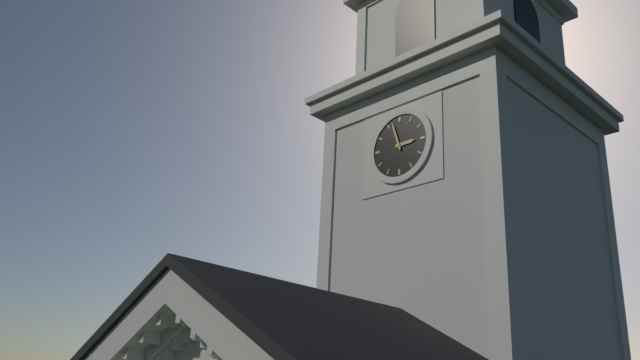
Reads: 2 h 57 min
